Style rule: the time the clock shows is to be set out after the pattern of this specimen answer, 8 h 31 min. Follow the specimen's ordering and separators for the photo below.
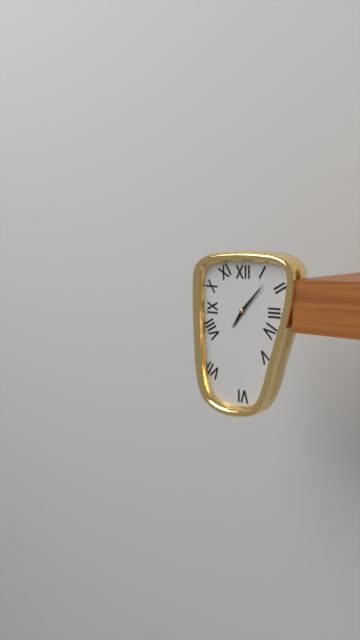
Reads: 7 h 07 min
